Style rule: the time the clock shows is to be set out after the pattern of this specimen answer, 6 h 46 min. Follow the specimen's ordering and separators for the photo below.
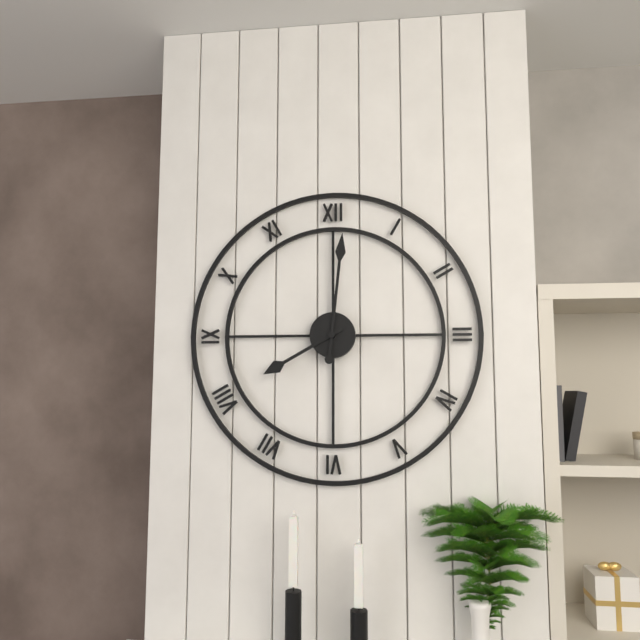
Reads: 8 h 01 min
